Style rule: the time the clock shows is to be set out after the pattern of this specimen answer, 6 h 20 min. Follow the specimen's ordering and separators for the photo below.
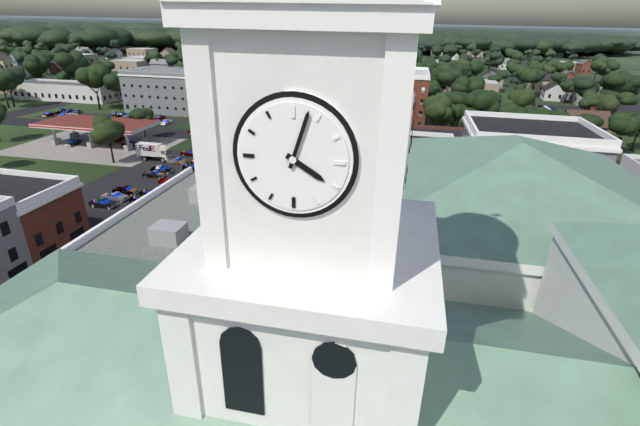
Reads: 4 h 03 min
